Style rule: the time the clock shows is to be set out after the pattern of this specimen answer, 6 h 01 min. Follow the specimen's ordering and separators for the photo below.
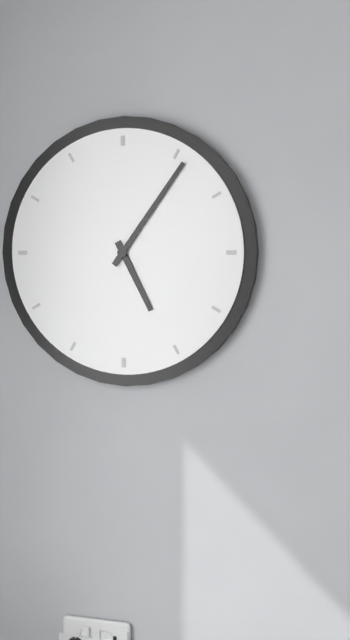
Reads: 5 h 06 min
